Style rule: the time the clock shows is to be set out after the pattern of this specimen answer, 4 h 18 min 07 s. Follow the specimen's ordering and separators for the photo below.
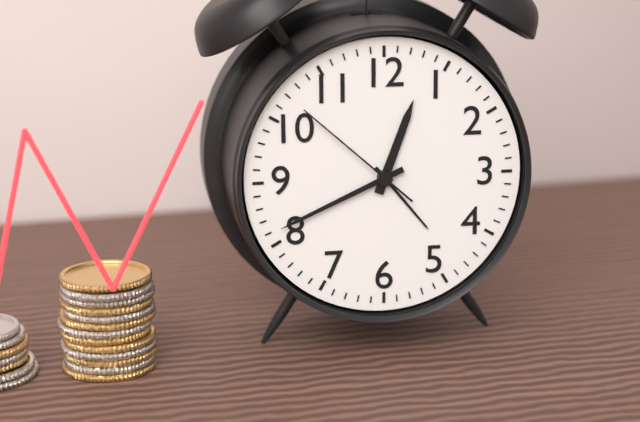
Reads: 12 h 41 min 52 s
